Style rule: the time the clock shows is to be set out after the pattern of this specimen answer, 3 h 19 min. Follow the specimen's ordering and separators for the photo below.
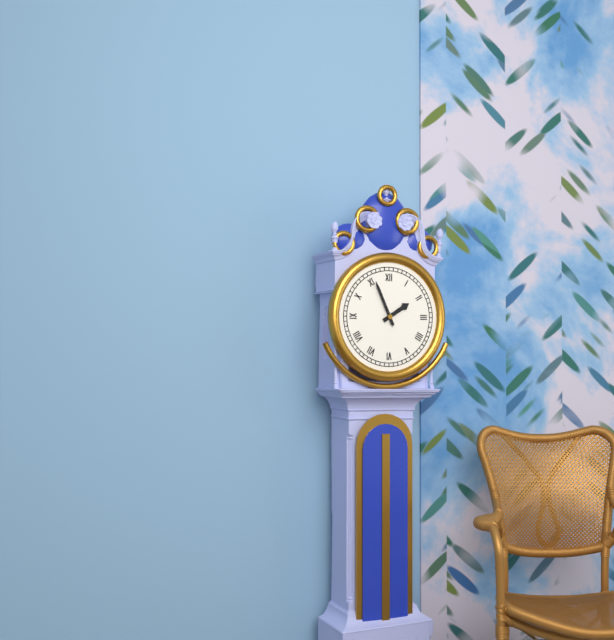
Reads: 1 h 56 min
